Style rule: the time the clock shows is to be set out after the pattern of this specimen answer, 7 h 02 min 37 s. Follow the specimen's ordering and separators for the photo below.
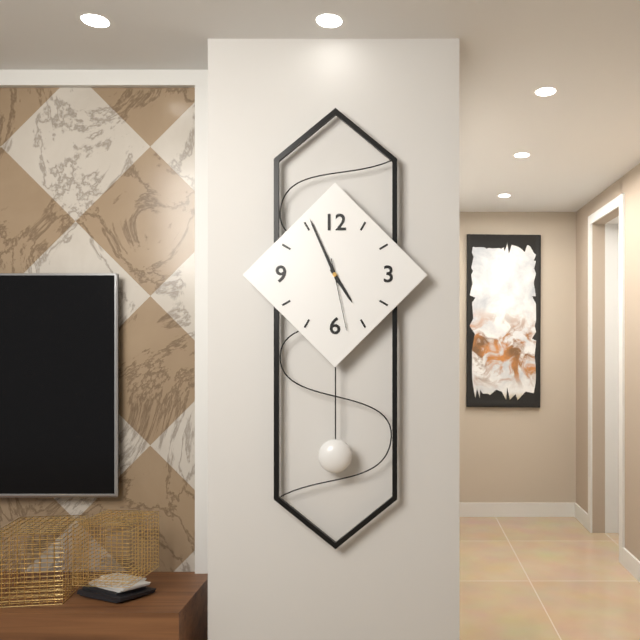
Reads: 4 h 56 min 28 s
